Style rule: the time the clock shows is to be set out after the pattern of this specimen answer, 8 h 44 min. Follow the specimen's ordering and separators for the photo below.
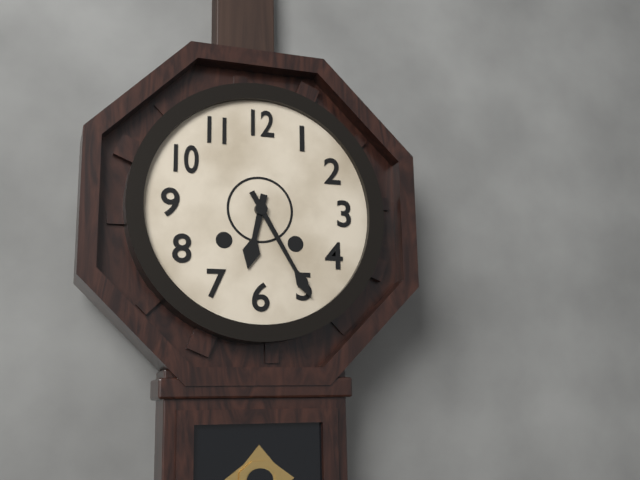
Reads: 6 h 25 min
